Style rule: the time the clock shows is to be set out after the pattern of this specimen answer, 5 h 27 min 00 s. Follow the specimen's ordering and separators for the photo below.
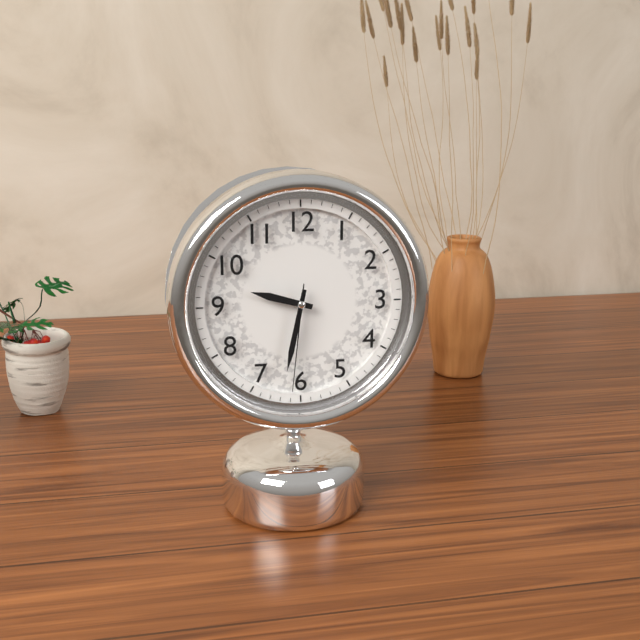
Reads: 9 h 32 min 31 s
